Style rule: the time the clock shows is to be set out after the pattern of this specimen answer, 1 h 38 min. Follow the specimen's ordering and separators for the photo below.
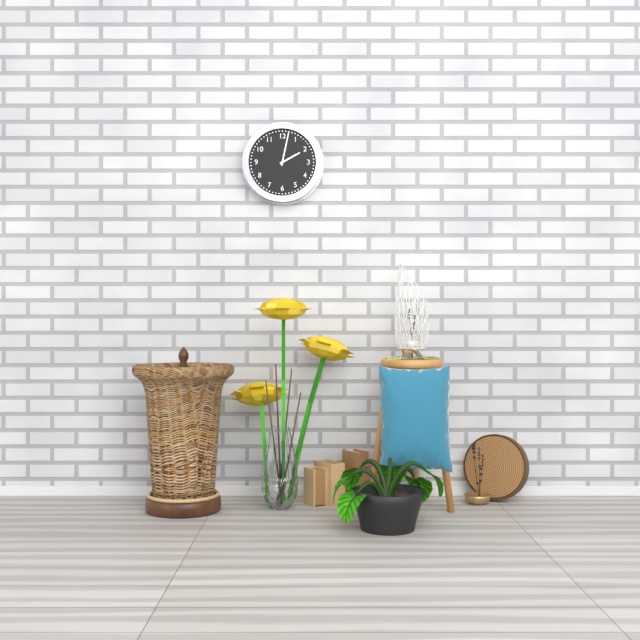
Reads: 2 h 02 min
